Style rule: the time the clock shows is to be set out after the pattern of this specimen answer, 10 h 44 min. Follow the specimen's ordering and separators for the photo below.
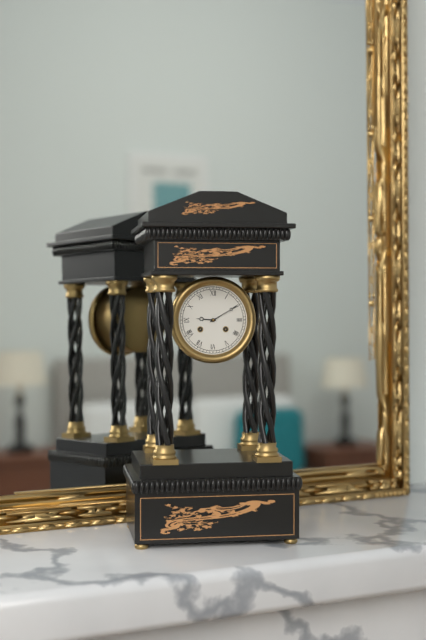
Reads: 9 h 10 min
